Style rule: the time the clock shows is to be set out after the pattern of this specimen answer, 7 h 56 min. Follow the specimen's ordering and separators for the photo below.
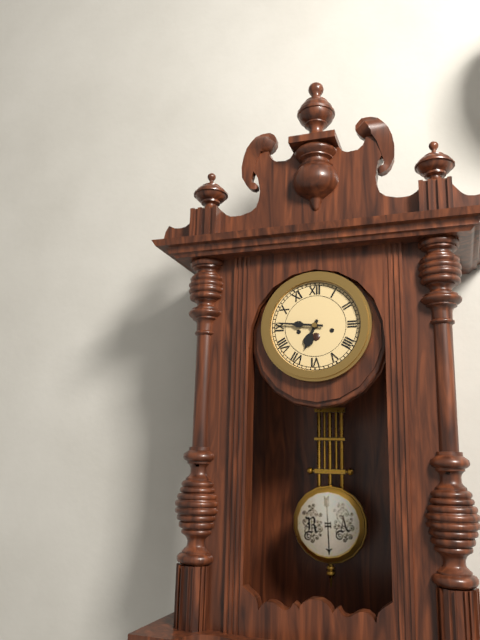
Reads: 6 h 46 min
